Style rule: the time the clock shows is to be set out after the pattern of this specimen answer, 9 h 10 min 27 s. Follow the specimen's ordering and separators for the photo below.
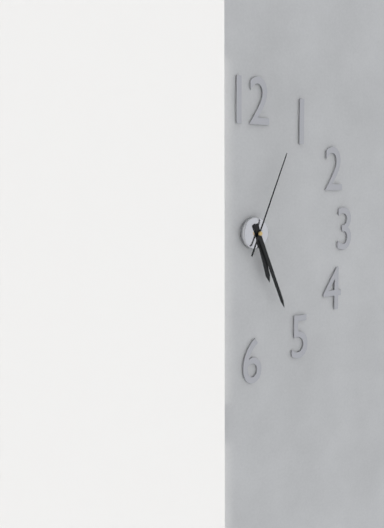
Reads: 5 h 26 min 04 s
